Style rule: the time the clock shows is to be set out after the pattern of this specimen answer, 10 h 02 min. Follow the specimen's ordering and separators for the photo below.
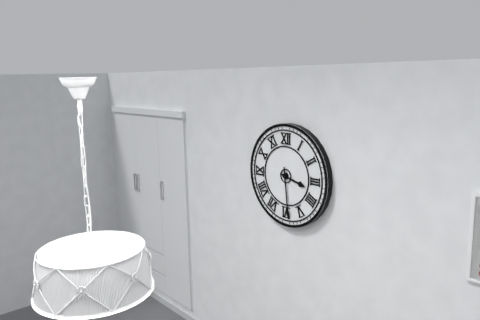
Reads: 3 h 29 min
